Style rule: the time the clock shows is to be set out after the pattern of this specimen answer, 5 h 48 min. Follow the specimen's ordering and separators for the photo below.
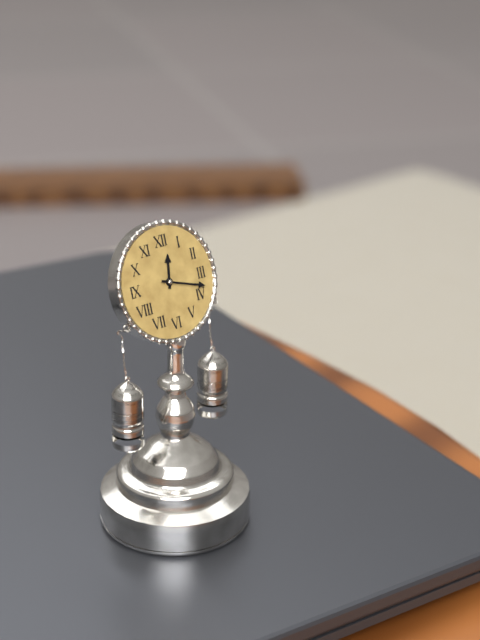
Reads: 12 h 18 min
